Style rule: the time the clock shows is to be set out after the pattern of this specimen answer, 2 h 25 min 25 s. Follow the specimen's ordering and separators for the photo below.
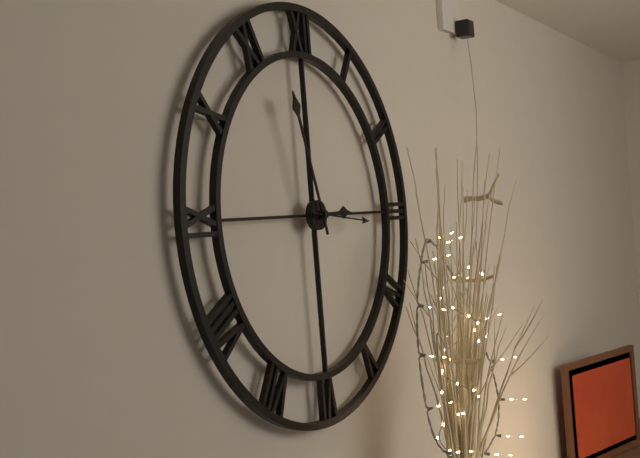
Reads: 2 h 57 min 16 s
